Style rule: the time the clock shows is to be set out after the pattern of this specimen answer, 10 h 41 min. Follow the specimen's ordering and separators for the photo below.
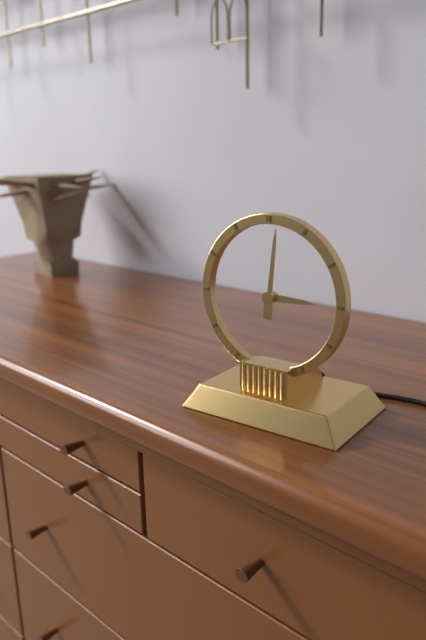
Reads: 3 h 01 min
